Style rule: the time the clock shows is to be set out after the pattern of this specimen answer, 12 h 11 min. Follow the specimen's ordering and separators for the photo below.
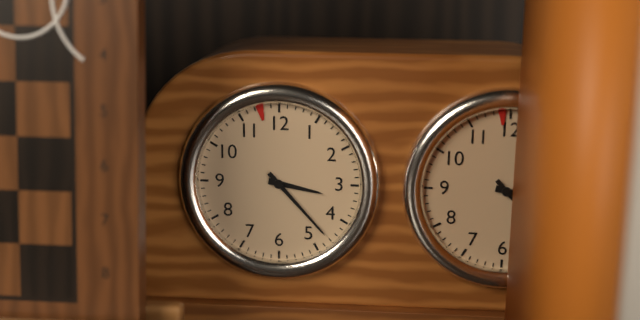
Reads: 3 h 23 min
